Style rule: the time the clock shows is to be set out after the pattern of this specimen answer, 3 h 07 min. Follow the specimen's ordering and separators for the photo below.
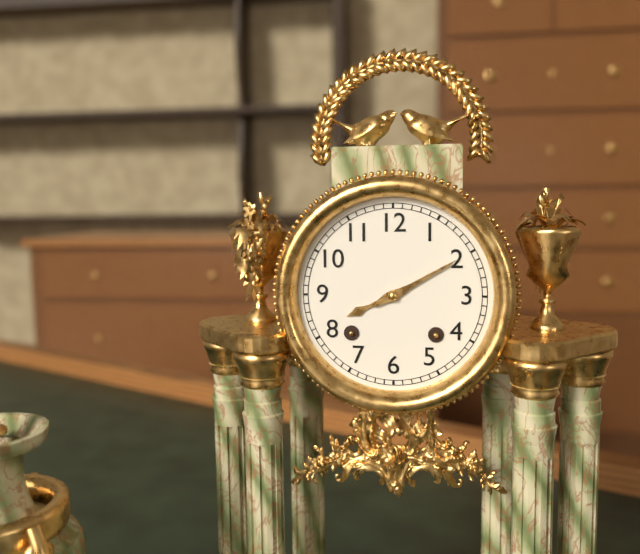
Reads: 8 h 10 min
